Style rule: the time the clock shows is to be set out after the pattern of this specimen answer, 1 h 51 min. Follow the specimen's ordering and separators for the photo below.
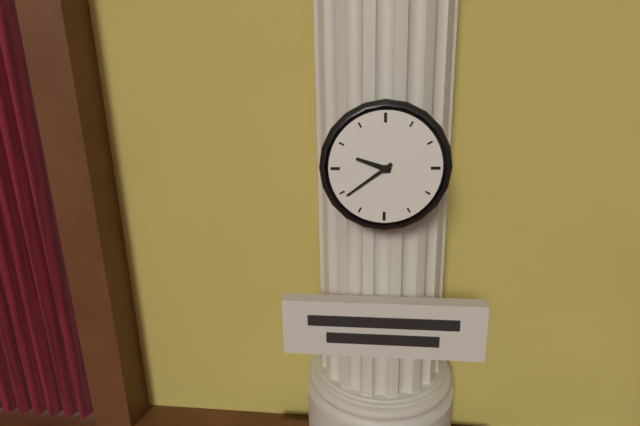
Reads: 9 h 39 min
